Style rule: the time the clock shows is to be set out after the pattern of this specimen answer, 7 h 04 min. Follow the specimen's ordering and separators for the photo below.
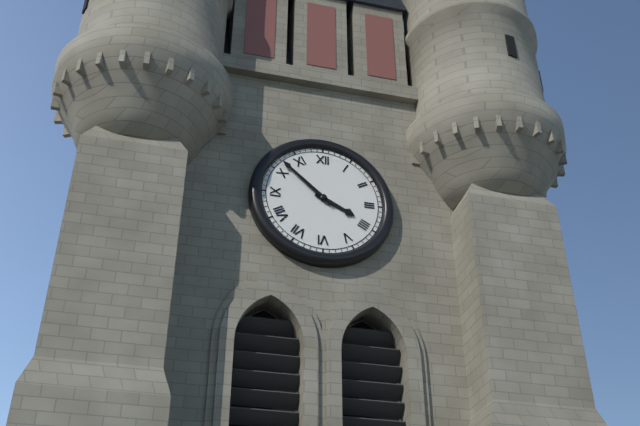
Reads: 3 h 52 min
